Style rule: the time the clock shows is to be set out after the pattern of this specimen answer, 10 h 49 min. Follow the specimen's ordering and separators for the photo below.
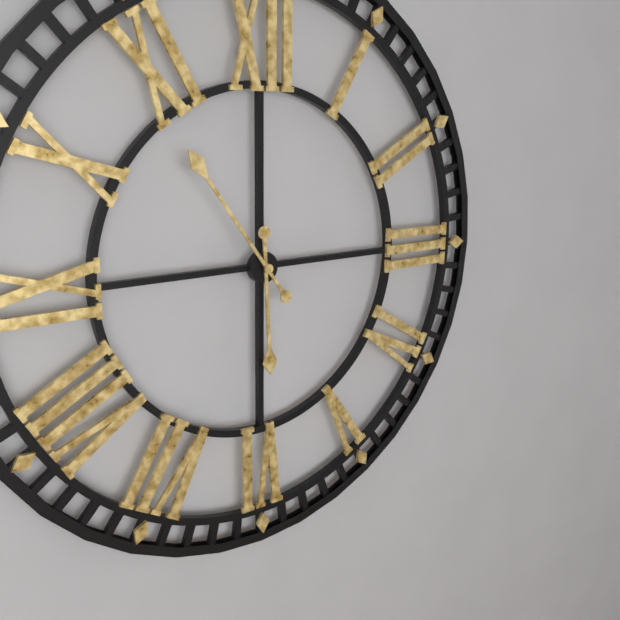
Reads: 5 h 54 min
